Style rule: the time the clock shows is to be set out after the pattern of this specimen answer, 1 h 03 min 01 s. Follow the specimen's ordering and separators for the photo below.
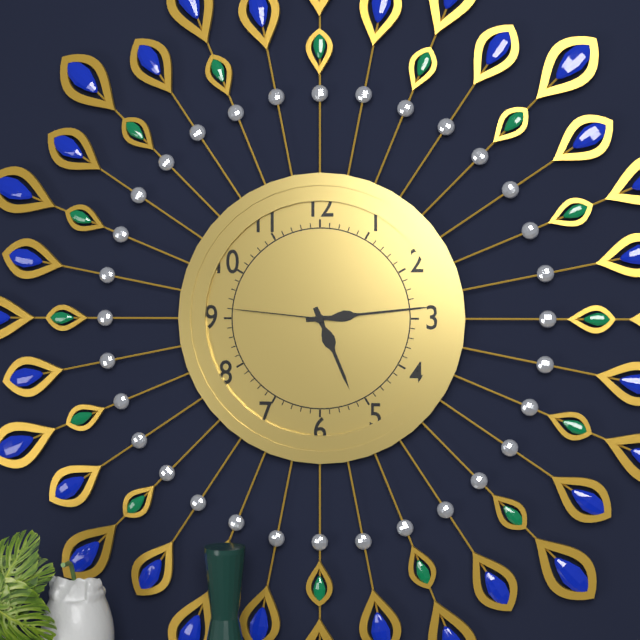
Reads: 5 h 14 min 46 s
